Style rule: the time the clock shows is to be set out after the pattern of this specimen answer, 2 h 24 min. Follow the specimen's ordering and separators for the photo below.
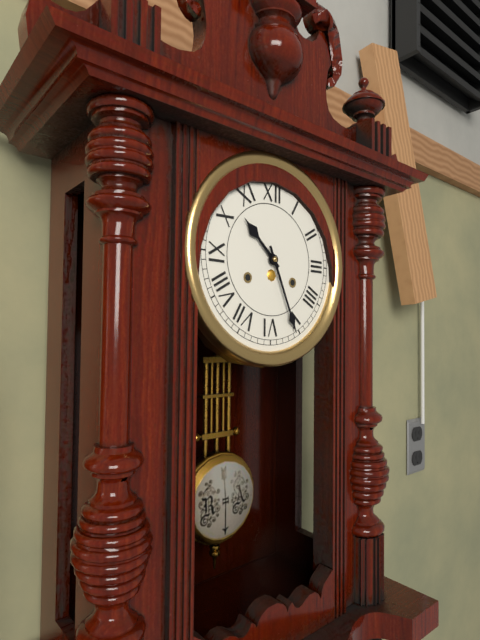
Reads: 10 h 26 min
